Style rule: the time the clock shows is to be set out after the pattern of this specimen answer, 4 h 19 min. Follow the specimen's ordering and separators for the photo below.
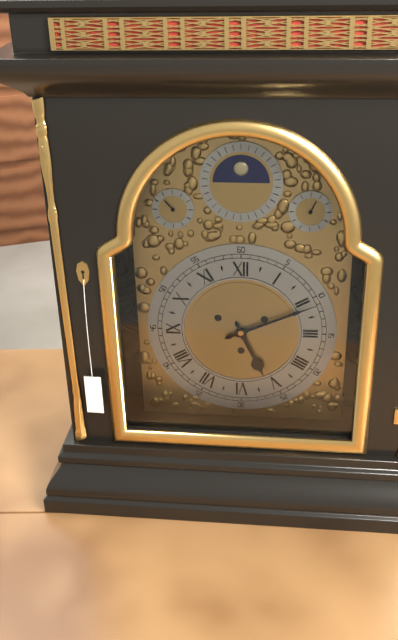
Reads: 5 h 11 min
